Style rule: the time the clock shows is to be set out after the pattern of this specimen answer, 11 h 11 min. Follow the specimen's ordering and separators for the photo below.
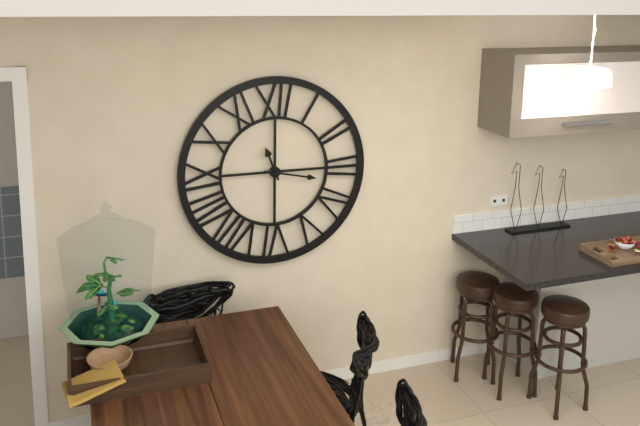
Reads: 11 h 17 min
